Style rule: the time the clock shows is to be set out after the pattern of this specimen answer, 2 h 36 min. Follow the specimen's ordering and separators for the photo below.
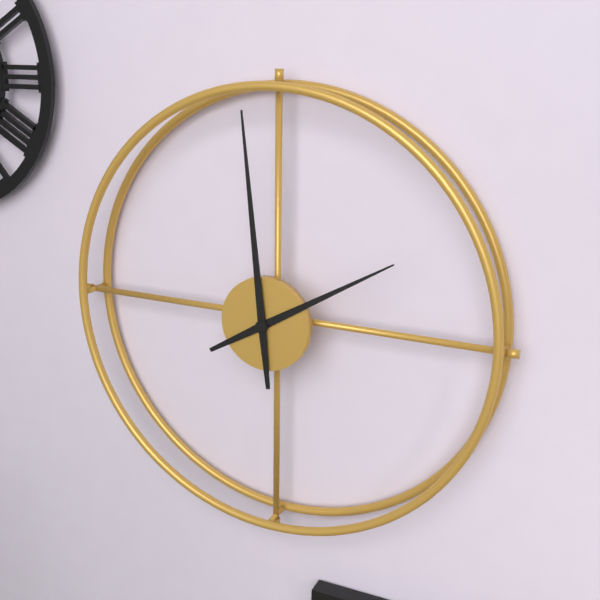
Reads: 1 h 59 min
